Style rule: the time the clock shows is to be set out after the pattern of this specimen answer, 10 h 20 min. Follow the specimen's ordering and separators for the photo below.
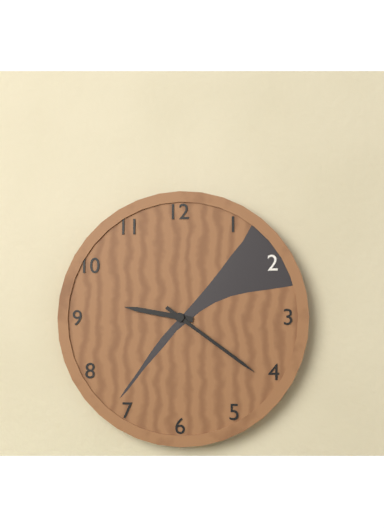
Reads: 9 h 21 min
